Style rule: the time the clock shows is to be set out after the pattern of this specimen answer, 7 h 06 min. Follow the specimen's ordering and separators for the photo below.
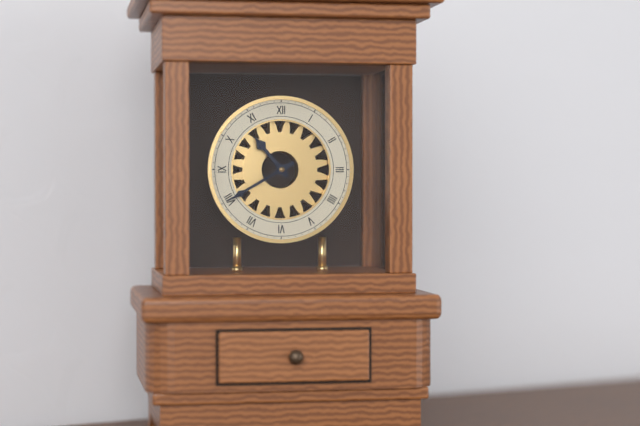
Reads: 10 h 40 min
